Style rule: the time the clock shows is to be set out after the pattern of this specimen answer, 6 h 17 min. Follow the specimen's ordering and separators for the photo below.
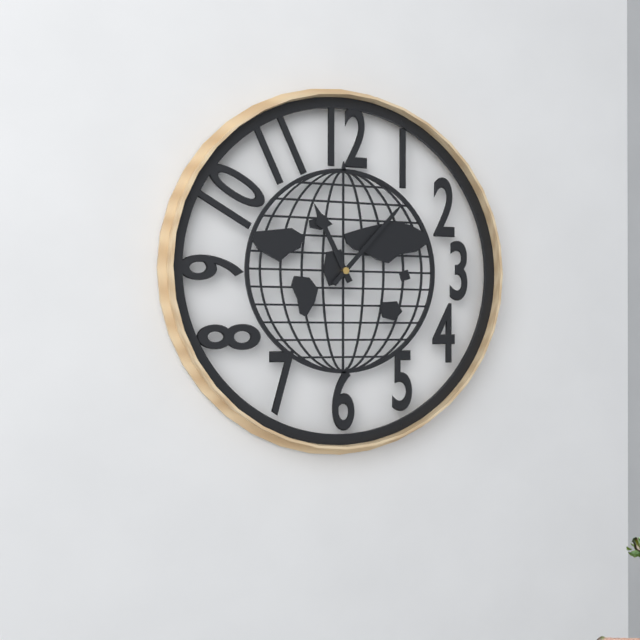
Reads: 11 h 07 min
